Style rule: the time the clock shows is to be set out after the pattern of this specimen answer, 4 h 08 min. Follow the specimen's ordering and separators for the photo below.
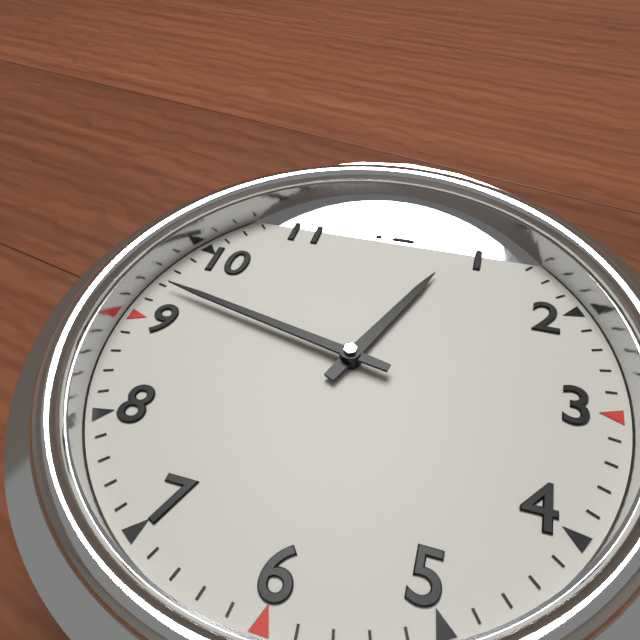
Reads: 12 h 47 min
